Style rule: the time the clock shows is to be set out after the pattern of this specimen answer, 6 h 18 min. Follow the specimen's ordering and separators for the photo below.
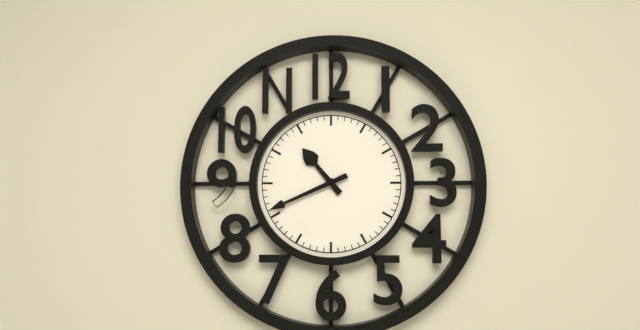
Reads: 10 h 41 min
